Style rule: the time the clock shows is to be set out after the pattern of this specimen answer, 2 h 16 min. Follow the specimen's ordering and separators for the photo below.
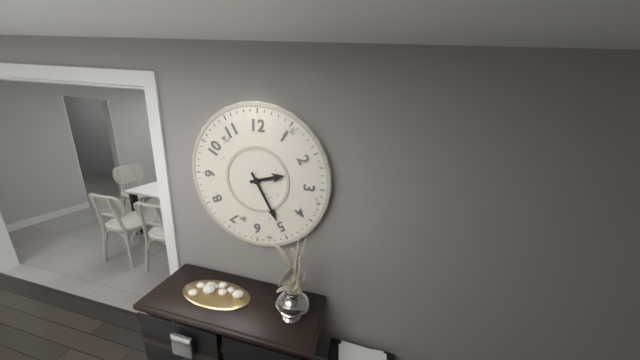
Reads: 2 h 25 min
